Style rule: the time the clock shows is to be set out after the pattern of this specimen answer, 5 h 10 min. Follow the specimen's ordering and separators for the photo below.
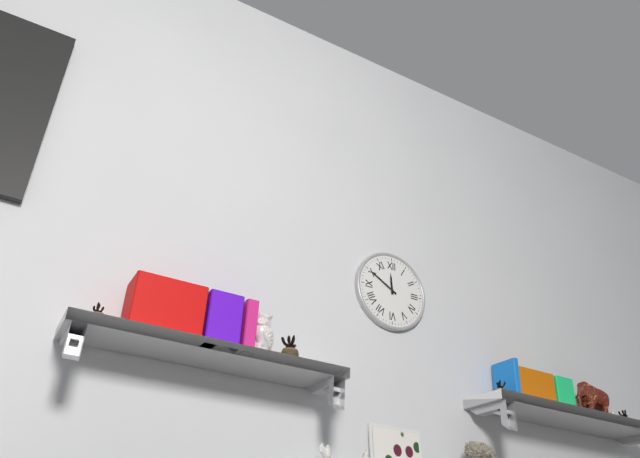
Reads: 11 h 50 min
